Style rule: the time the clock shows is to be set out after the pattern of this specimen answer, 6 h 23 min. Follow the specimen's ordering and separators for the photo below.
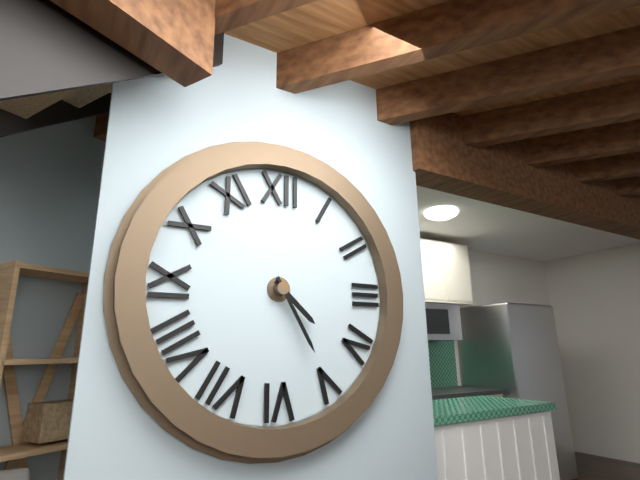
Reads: 4 h 25 min
